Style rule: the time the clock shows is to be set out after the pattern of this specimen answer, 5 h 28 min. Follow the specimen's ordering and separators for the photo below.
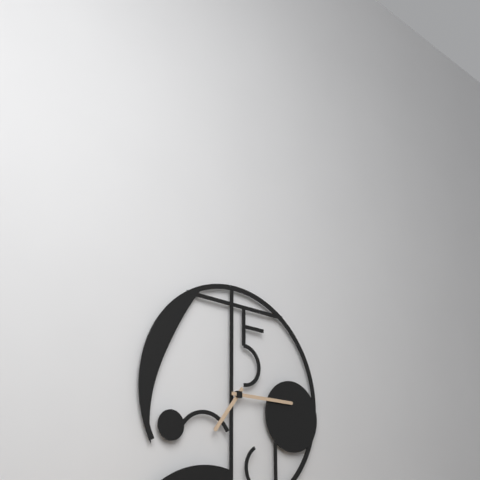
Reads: 7 h 15 min
